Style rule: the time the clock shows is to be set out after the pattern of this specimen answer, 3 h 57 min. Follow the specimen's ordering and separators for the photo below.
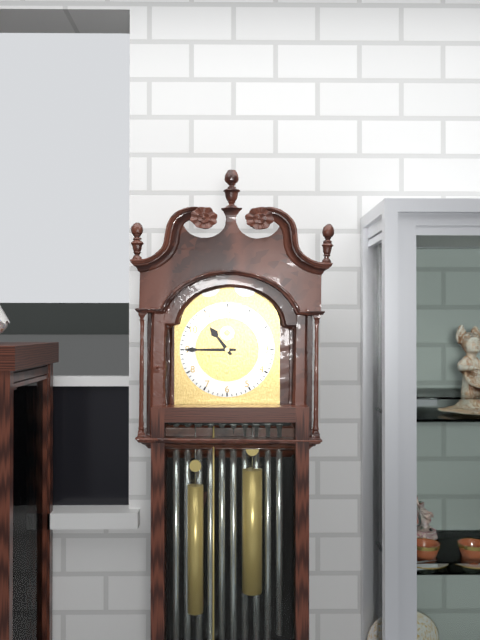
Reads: 10 h 45 min
